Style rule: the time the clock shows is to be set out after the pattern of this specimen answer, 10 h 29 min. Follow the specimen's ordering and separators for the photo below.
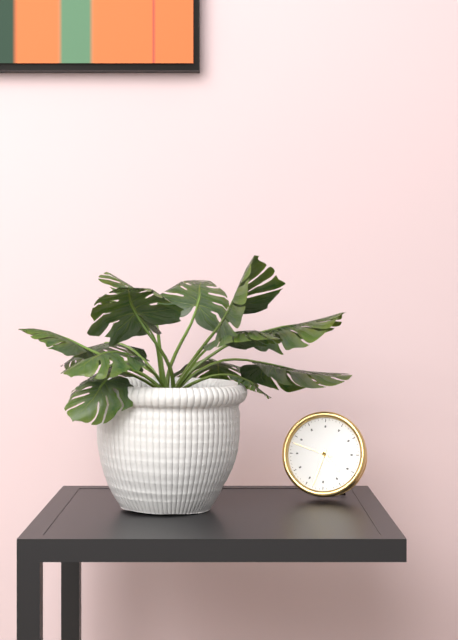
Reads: 4 h 33 min
